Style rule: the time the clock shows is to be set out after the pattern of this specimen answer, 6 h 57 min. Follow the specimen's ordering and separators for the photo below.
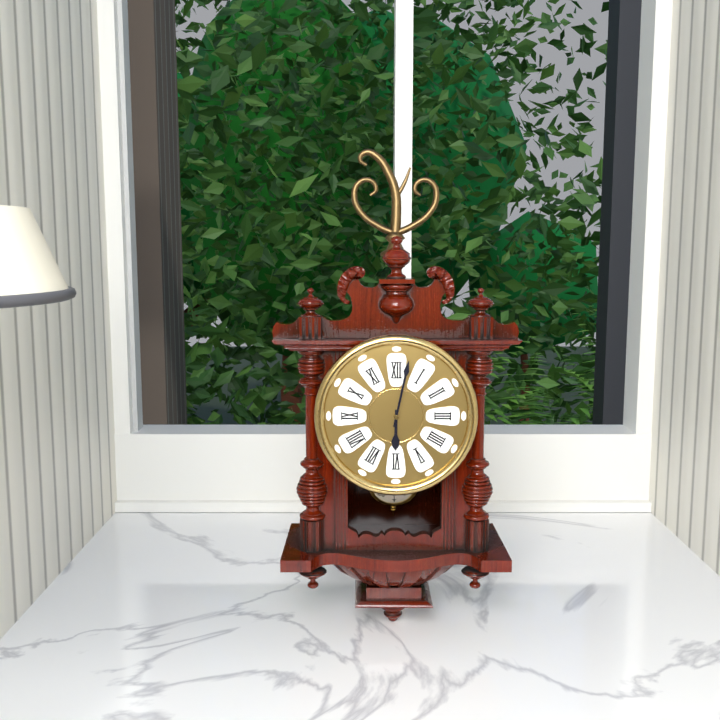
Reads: 6 h 02 min
